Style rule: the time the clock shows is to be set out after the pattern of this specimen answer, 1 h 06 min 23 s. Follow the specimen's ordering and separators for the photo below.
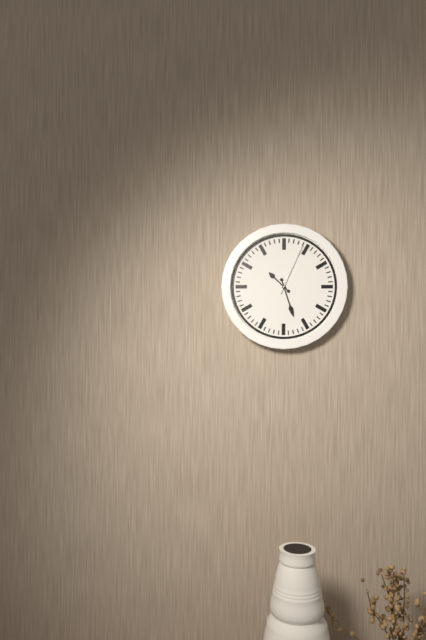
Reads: 10 h 27 min 04 s
